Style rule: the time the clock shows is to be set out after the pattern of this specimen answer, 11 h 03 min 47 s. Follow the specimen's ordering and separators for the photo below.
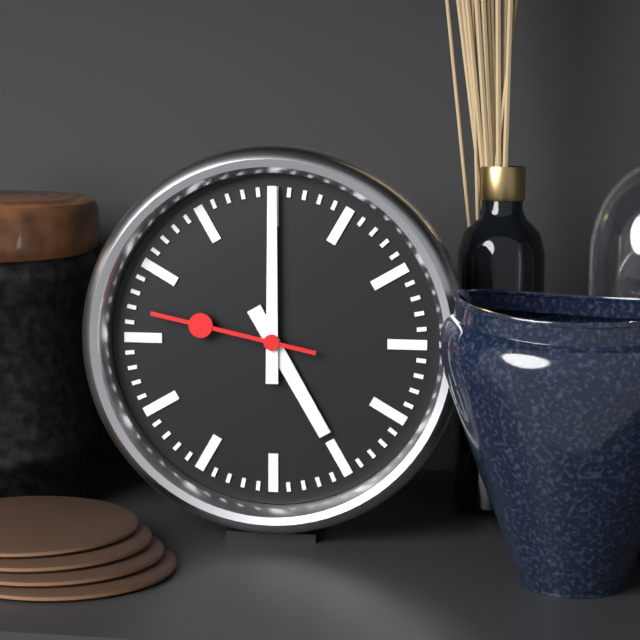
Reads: 5 h 00 min 47 s
